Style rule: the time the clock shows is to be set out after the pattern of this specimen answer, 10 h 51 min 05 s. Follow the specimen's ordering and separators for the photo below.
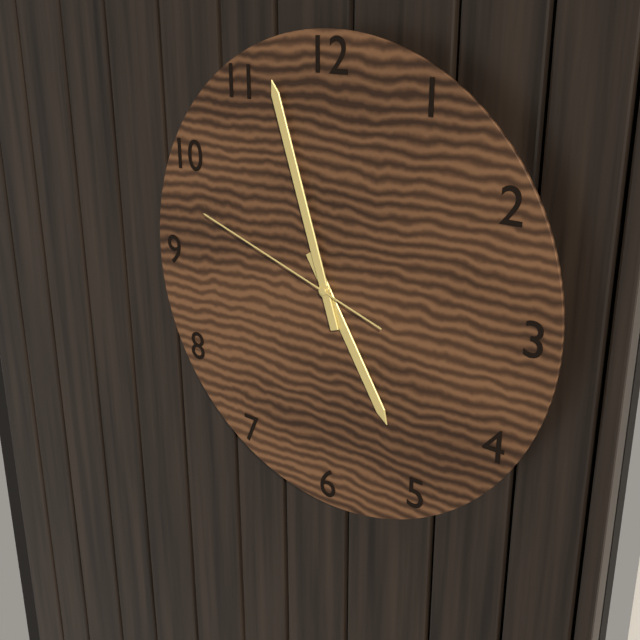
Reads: 4 h 57 min 48 s
